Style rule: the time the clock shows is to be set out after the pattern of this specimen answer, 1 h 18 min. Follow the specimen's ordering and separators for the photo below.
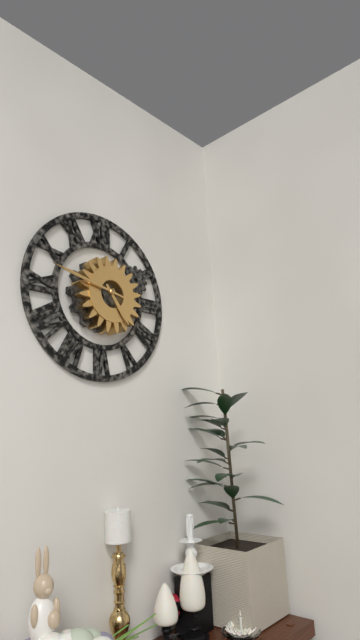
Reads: 4 h 47 min
